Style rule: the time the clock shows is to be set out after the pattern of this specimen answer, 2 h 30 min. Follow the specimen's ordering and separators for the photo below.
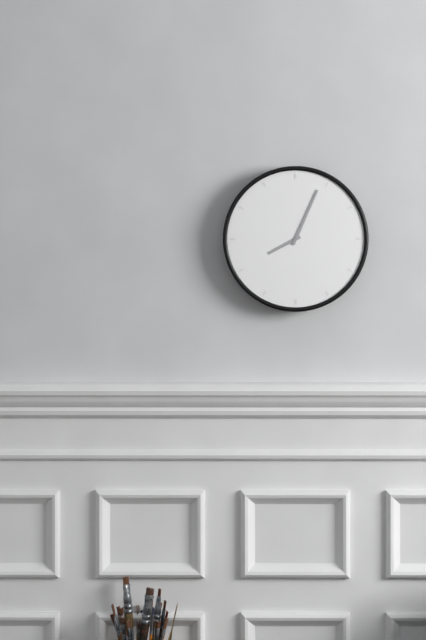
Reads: 8 h 04 min
